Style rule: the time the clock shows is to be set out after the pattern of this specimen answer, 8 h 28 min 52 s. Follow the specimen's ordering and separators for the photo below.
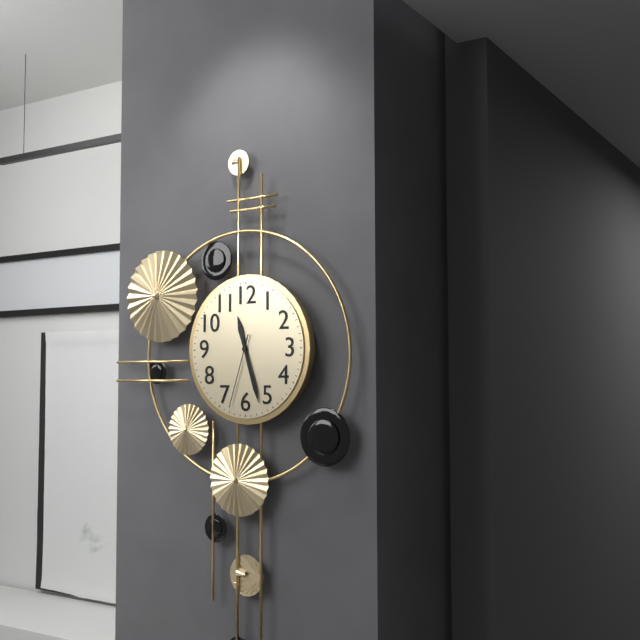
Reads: 11 h 27 min 33 s
